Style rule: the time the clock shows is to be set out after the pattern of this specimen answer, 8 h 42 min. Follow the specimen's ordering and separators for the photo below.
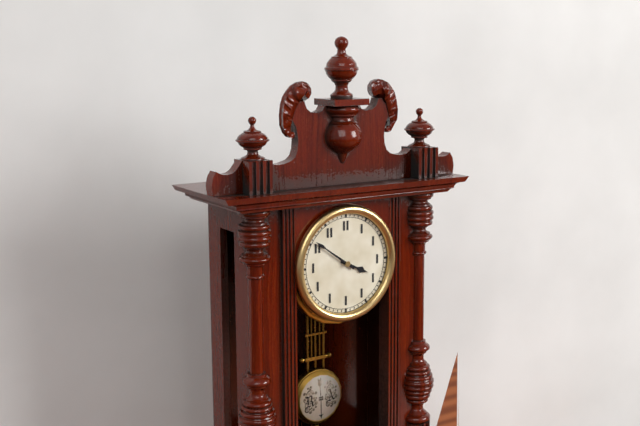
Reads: 3 h 51 min
